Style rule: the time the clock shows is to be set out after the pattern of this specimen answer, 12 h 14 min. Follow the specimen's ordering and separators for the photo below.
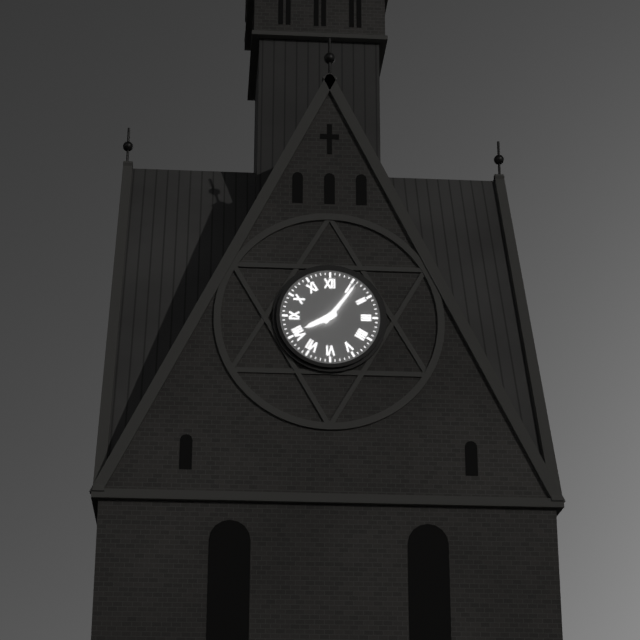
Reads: 8 h 06 min
